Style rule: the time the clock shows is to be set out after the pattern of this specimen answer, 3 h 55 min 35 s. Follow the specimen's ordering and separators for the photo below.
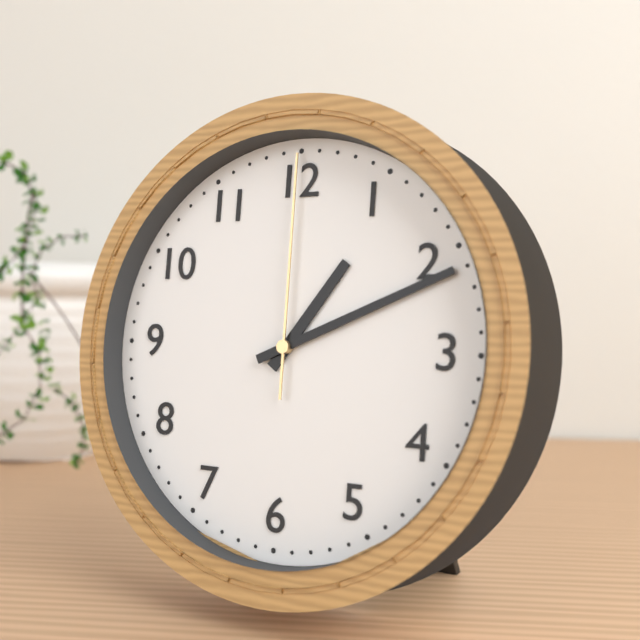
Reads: 1 h 11 min 00 s
